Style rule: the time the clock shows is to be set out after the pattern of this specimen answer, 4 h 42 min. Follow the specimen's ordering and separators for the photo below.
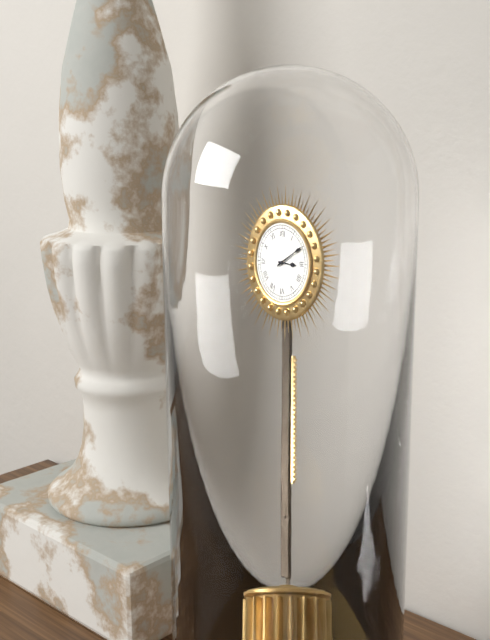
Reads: 3 h 10 min
